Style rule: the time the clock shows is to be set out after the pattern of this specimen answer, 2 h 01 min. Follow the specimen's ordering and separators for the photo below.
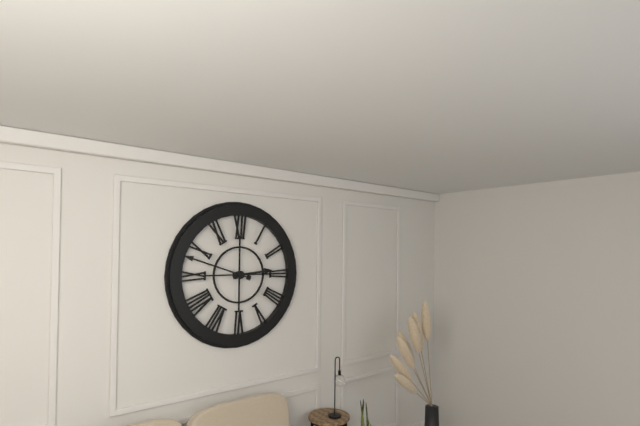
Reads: 2 h 48 min
